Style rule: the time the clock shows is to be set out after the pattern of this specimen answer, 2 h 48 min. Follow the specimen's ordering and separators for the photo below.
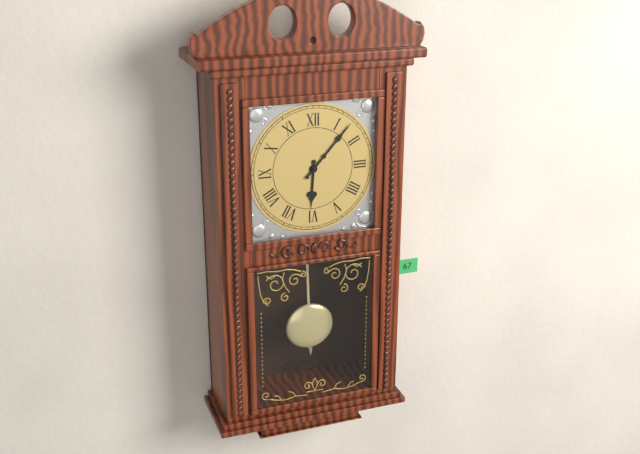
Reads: 6 h 07 min
